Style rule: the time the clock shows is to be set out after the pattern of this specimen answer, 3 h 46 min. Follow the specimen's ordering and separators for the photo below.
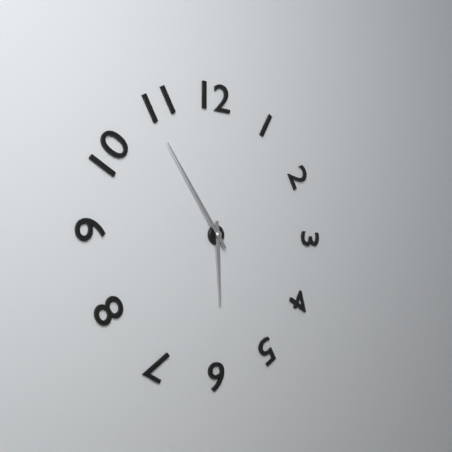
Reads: 5 h 54 min
